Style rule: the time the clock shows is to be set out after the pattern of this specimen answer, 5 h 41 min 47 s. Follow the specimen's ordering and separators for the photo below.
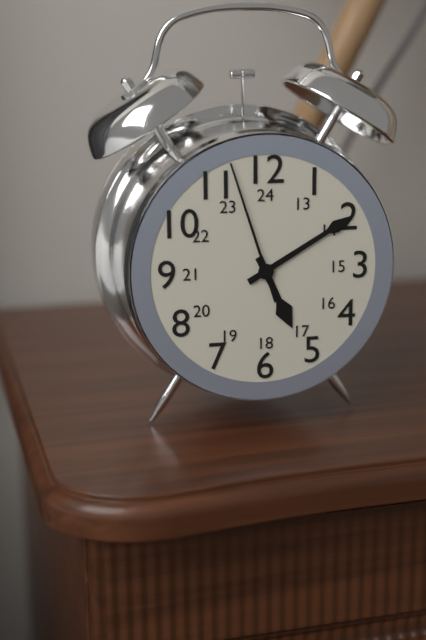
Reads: 5 h 10 min 57 s
